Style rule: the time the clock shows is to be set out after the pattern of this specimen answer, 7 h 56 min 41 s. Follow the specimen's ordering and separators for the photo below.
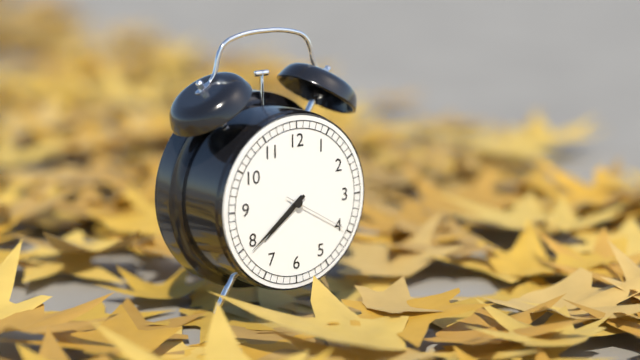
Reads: 7 h 39 min 20 s
